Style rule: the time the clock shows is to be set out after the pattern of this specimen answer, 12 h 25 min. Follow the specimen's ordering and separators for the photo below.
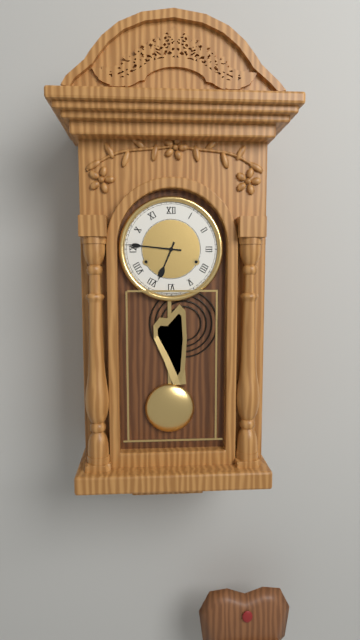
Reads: 6 h 46 min
